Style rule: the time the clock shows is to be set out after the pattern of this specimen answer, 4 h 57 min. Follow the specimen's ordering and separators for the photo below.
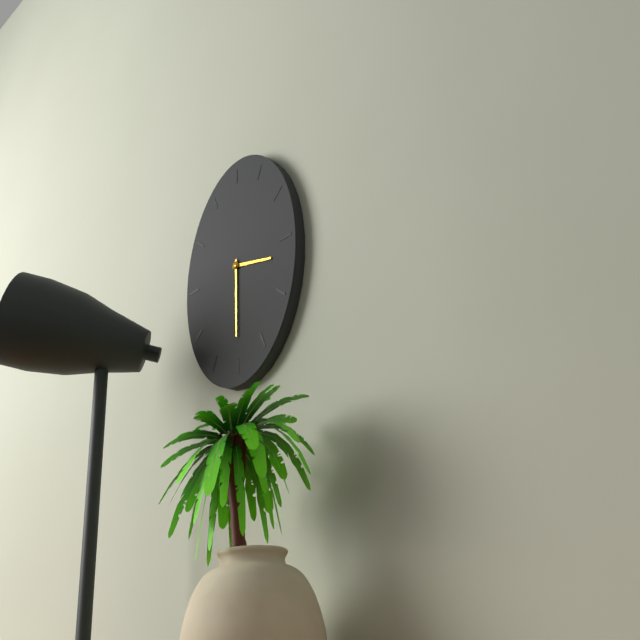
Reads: 3 h 30 min
